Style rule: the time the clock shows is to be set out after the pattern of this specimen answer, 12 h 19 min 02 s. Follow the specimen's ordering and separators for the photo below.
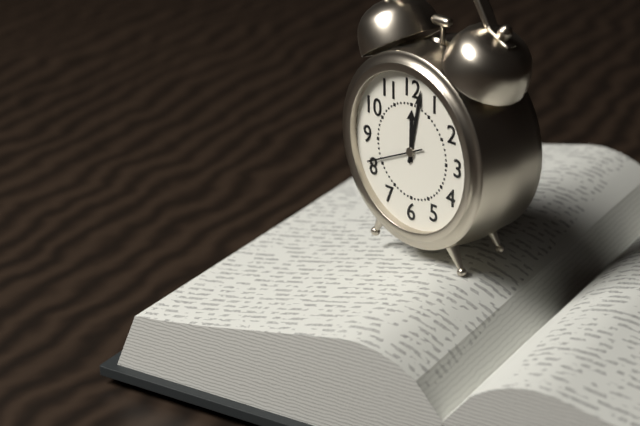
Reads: 12 h 02 min 41 s
